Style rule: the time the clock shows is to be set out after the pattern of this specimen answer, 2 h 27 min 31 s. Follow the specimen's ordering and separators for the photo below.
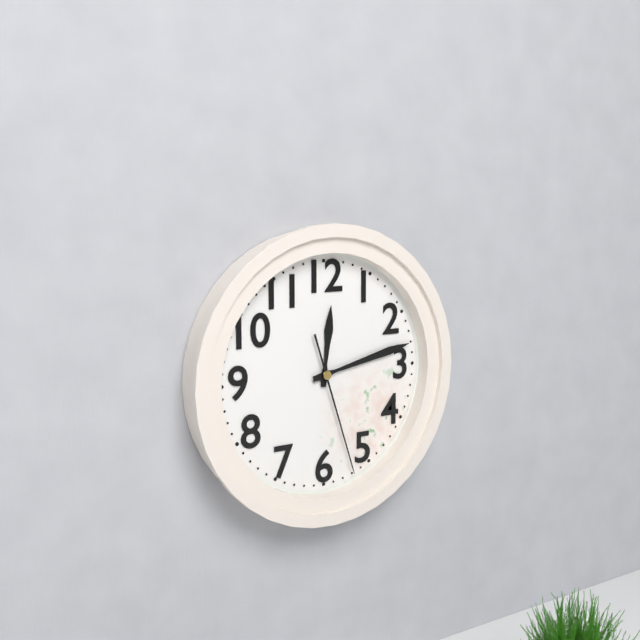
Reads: 12 h 13 min 27 s
